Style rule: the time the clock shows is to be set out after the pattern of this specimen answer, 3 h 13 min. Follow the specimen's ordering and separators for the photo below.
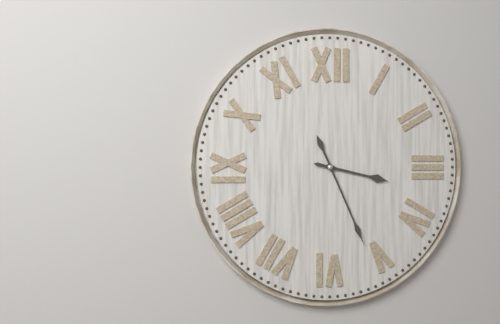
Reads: 3 h 26 min
